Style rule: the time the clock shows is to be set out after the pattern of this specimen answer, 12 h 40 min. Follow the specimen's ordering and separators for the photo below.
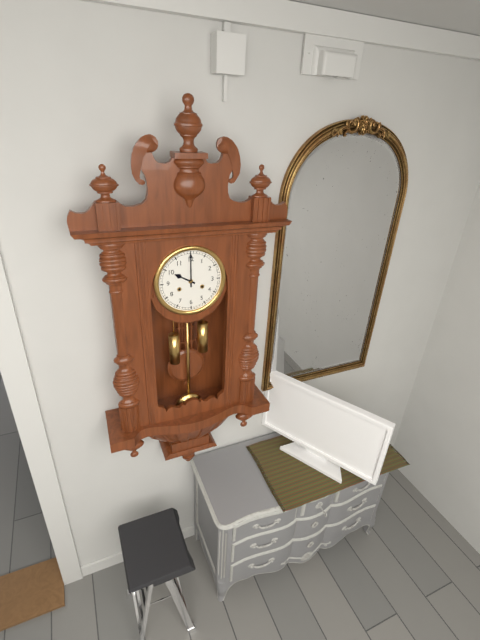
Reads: 10 h 00 min
